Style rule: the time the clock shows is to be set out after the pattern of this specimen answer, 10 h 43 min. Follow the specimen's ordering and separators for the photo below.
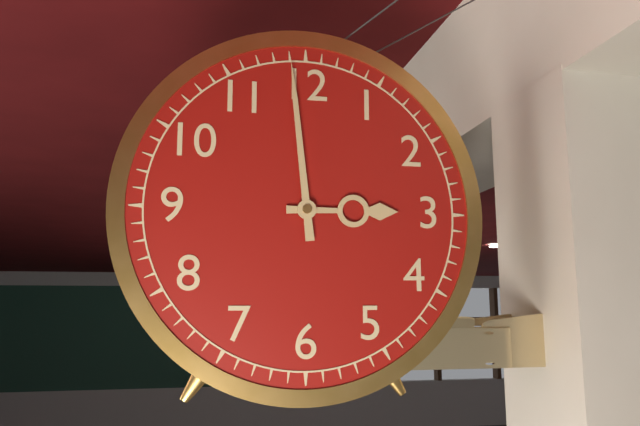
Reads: 2 h 59 min
